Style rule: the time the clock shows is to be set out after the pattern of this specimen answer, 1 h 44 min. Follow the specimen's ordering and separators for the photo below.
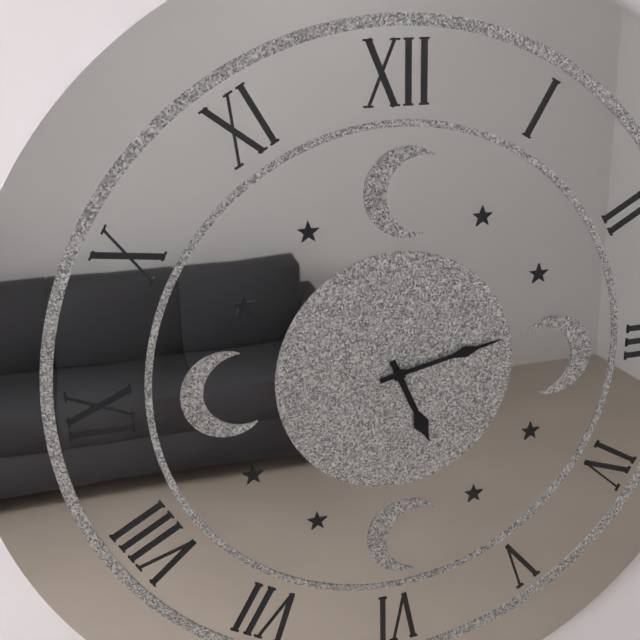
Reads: 5 h 13 min
